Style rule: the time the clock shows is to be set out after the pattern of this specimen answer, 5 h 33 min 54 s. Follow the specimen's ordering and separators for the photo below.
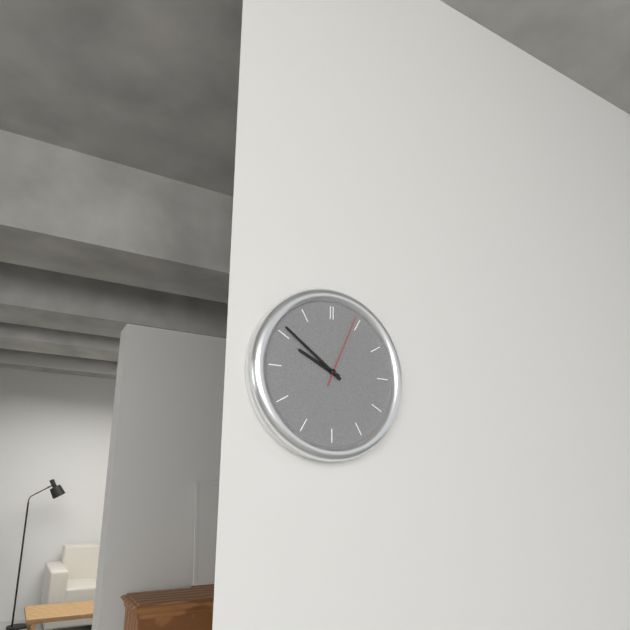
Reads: 9 h 51 min 04 s
